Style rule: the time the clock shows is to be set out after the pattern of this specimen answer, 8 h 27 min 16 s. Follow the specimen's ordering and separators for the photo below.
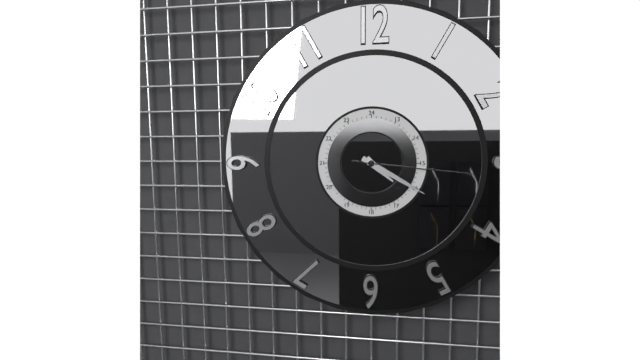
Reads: 4 h 20 min 16 s
